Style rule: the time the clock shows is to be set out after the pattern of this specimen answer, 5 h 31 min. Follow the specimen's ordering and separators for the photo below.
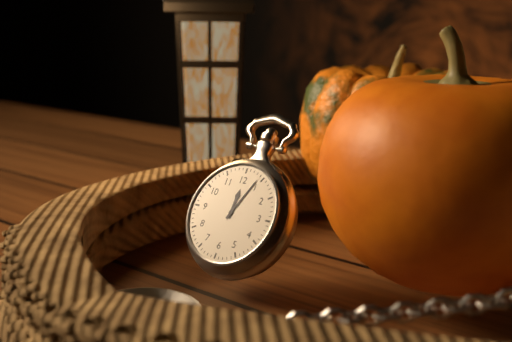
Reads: 12 h 04 min
